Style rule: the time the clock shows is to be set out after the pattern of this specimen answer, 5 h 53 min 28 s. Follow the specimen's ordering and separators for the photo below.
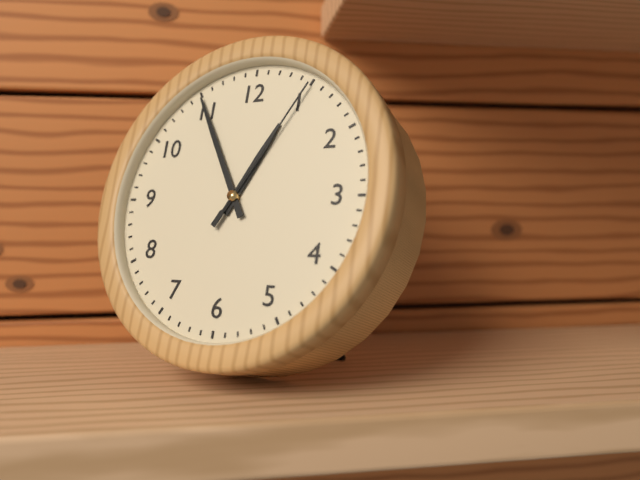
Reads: 12 h 55 min 05 s
